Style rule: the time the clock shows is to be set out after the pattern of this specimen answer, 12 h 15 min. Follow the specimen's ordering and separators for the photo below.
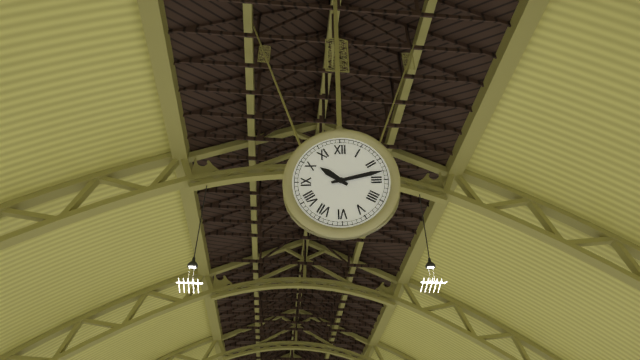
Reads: 10 h 13 min
